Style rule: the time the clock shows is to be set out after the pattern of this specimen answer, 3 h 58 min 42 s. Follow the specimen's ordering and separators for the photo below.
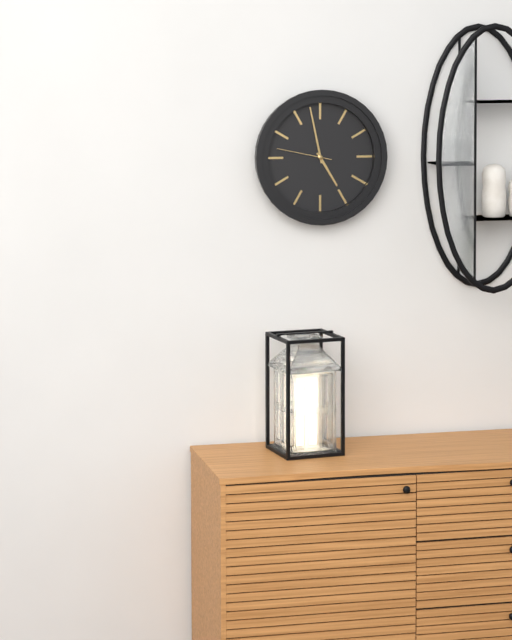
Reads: 4 h 58 min 47 s
